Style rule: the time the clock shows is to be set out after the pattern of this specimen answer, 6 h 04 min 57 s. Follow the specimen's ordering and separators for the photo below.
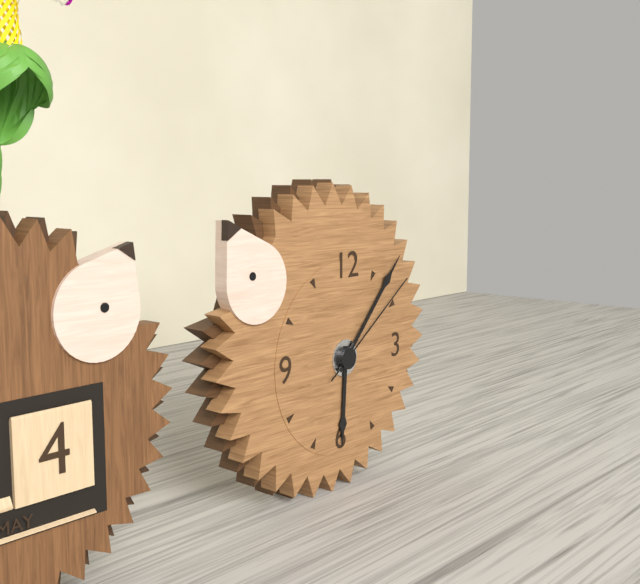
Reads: 6 h 07 min 09 s
